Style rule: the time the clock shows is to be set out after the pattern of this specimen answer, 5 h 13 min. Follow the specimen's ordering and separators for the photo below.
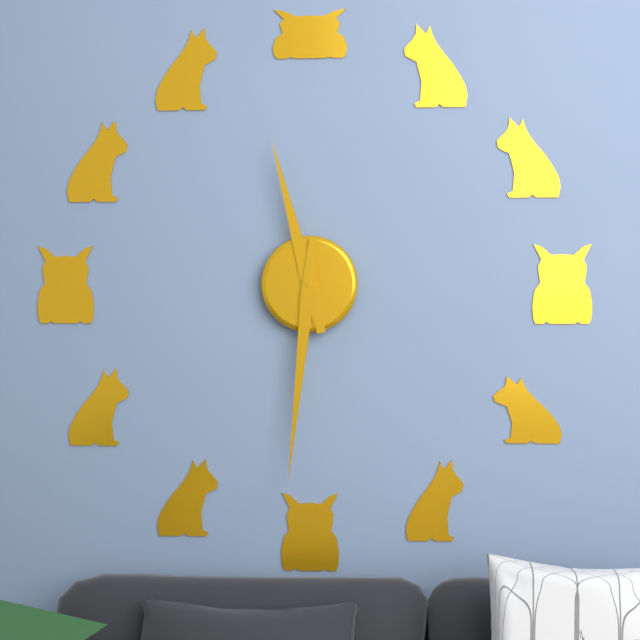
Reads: 11 h 31 min
